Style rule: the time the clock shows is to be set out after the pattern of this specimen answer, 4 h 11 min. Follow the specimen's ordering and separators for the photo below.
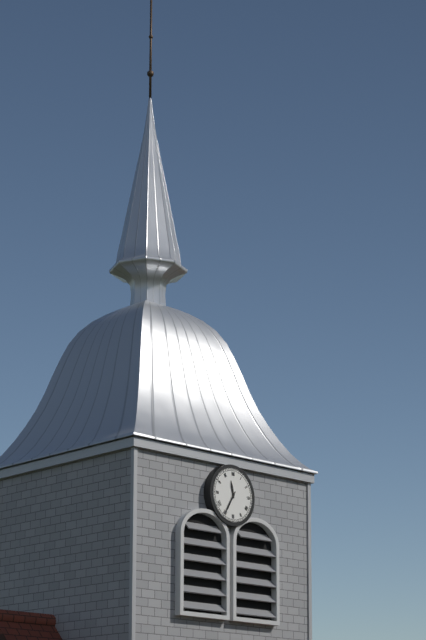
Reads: 11 h 35 min
